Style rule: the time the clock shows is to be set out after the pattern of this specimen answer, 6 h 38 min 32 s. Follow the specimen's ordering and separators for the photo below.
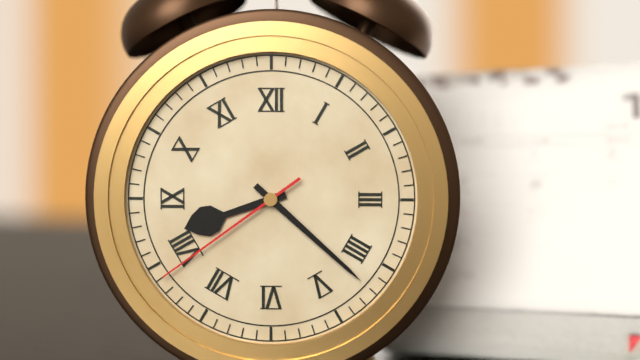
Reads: 8 h 22 min 39 s
